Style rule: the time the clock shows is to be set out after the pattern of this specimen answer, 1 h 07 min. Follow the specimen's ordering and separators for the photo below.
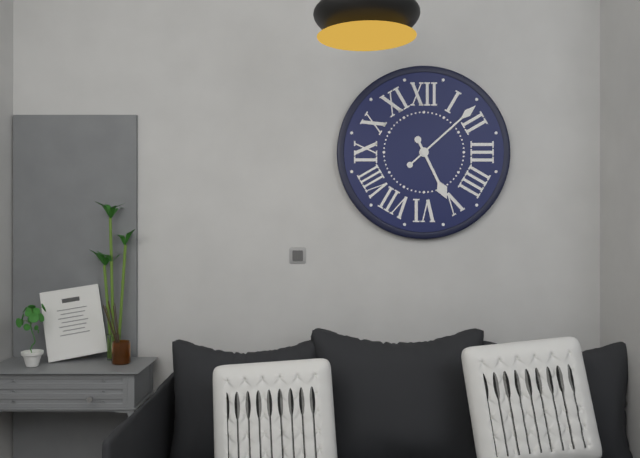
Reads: 5 h 08 min
